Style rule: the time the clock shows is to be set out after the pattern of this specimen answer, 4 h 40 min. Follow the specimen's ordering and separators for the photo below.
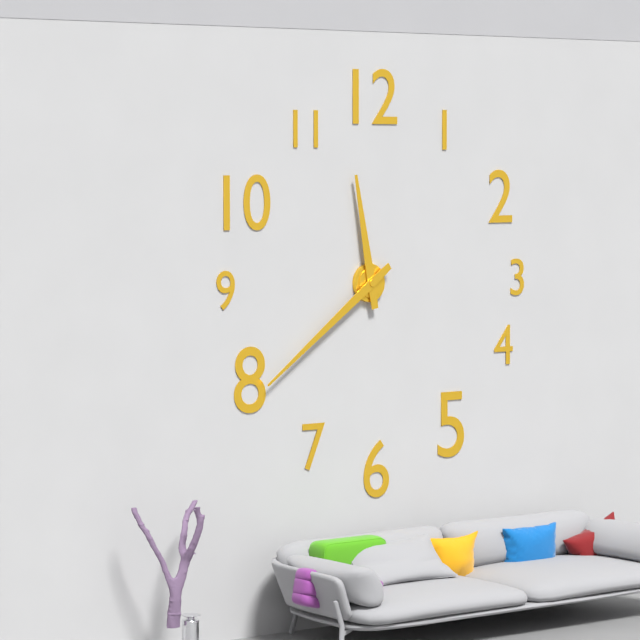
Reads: 11 h 39 min
